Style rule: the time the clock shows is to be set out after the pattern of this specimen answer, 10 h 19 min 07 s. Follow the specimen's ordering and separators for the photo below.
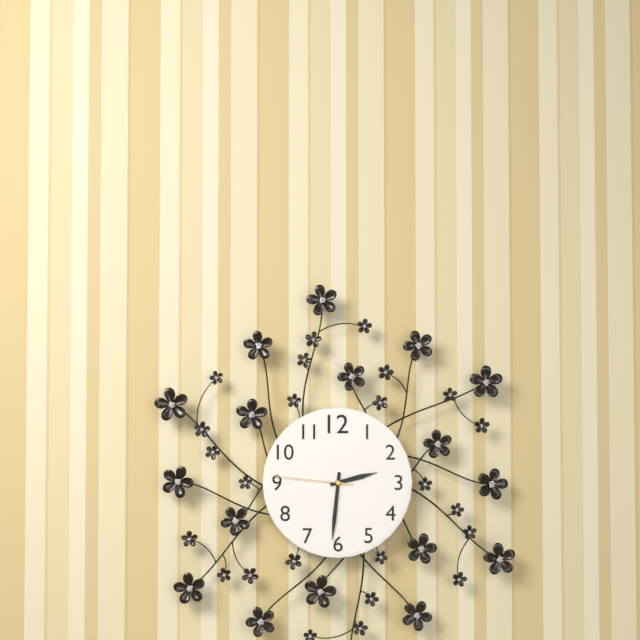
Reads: 2 h 31 min 46 s
